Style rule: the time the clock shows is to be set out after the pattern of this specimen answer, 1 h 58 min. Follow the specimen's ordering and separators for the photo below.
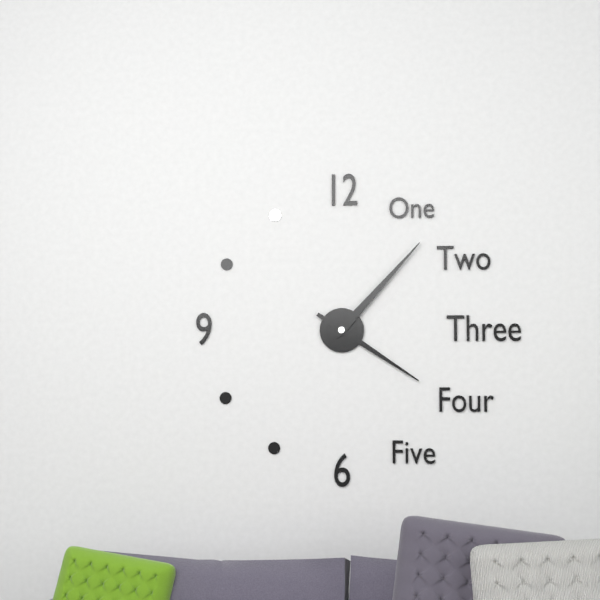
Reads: 4 h 07 min
